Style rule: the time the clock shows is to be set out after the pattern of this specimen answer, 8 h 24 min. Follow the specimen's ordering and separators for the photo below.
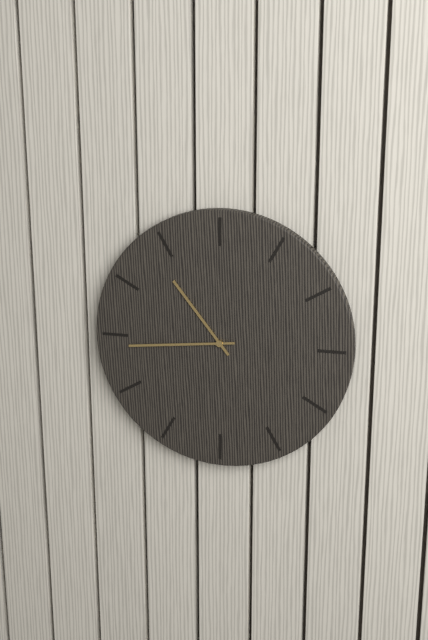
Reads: 10 h 44 min
